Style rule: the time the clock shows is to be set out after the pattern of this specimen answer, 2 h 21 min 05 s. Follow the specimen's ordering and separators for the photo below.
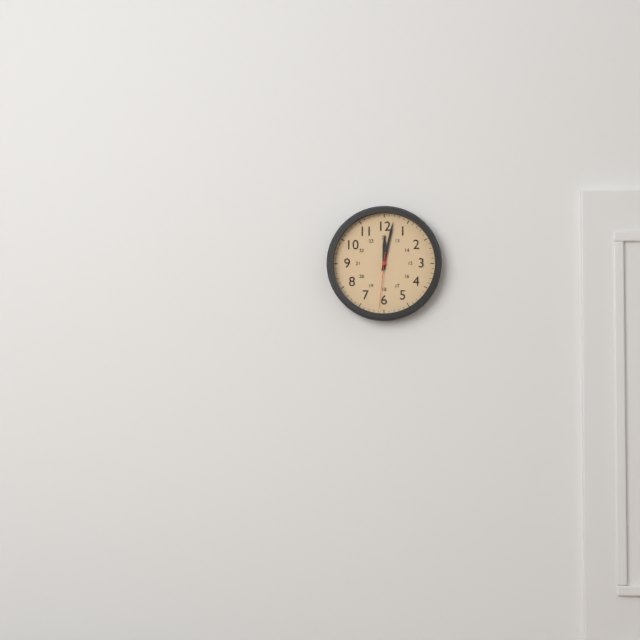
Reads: 12 h 02 min 31 s
